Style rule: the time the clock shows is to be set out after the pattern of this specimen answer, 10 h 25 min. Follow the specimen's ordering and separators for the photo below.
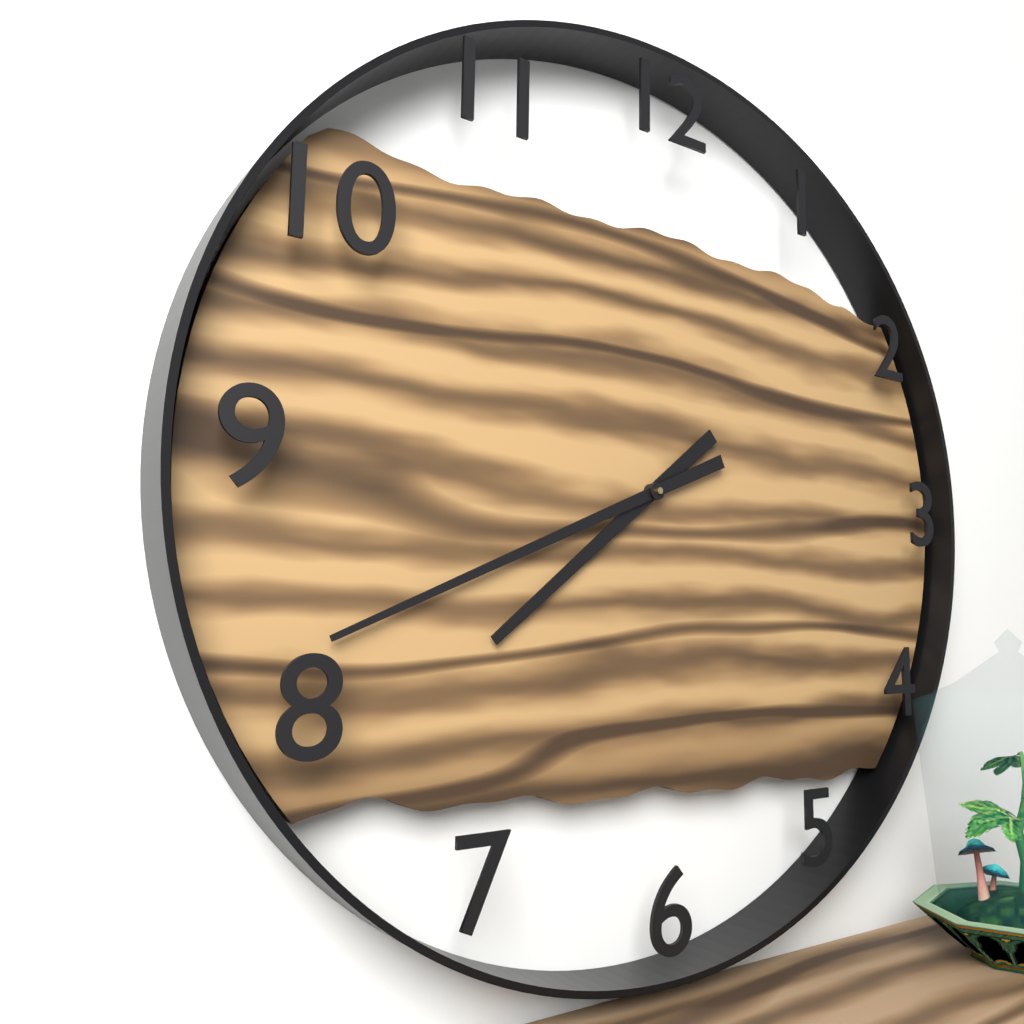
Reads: 7 h 41 min
